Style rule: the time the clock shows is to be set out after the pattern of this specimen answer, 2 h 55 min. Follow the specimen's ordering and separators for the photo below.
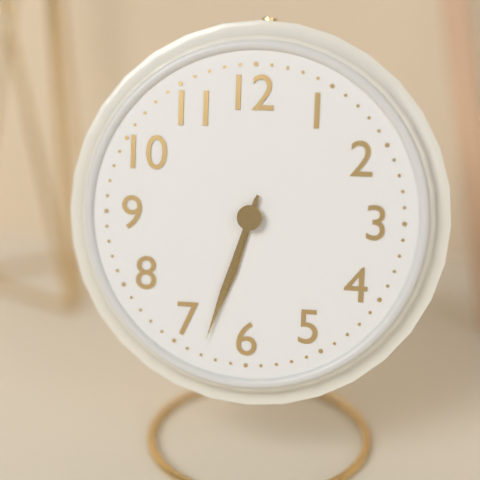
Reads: 6 h 33 min
